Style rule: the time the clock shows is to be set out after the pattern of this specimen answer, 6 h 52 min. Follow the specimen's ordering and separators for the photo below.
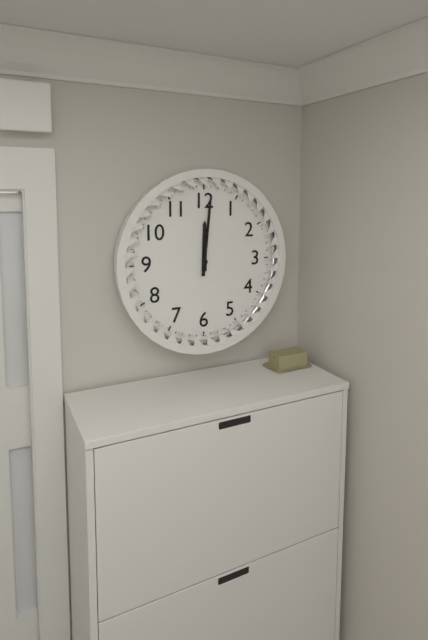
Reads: 12 h 01 min
